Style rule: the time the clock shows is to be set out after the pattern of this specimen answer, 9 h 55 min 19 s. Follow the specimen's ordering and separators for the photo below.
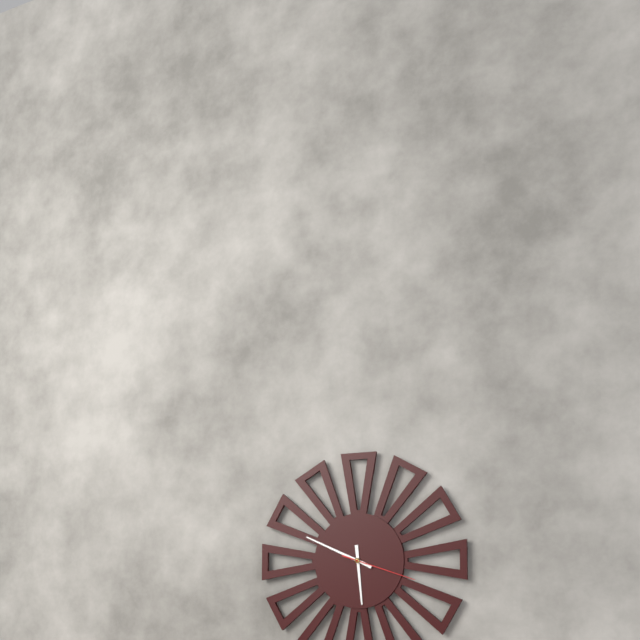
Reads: 5 h 49 min 18 s
